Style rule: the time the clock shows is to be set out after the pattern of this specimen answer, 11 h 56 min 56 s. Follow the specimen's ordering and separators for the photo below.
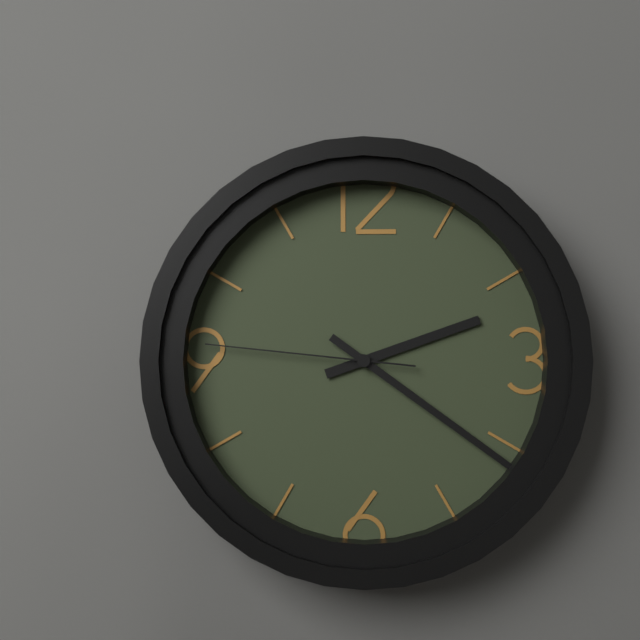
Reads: 2 h 21 min 46 s
